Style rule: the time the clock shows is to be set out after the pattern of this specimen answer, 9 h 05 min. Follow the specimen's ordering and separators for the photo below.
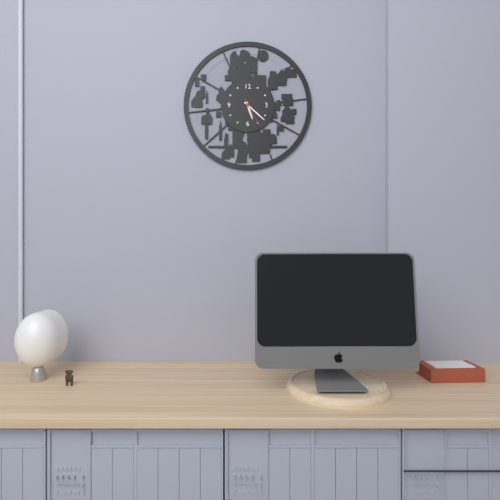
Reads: 5 h 22 min
